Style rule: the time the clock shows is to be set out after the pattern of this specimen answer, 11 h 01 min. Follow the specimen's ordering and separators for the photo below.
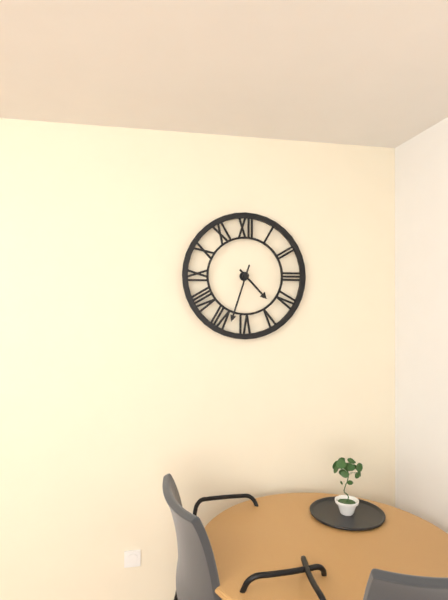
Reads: 4 h 33 min
